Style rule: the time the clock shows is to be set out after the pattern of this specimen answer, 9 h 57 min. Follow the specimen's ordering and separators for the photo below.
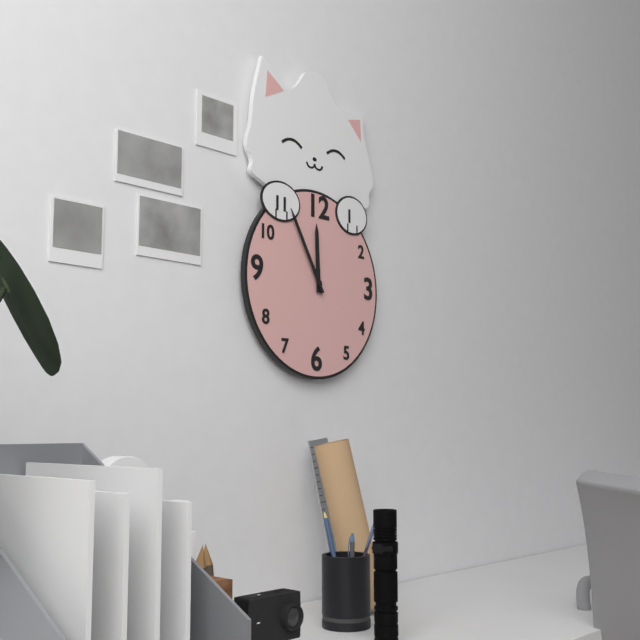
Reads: 11 h 55 min
